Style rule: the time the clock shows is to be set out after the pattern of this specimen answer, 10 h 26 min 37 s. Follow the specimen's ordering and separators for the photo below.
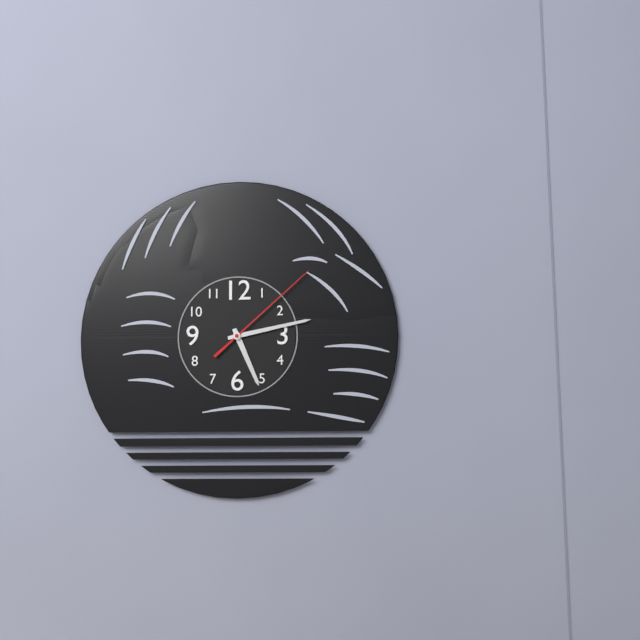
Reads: 5 h 13 min 08 s
